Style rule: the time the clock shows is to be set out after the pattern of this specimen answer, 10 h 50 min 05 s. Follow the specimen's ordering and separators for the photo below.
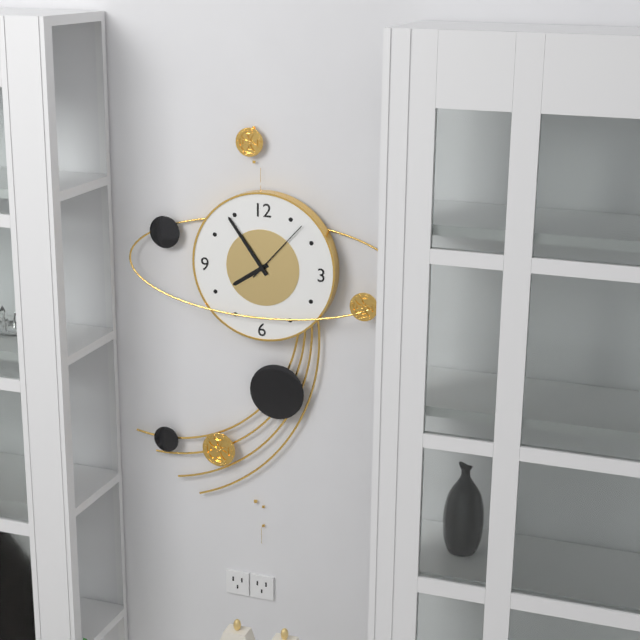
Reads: 7 h 54 min 07 s
